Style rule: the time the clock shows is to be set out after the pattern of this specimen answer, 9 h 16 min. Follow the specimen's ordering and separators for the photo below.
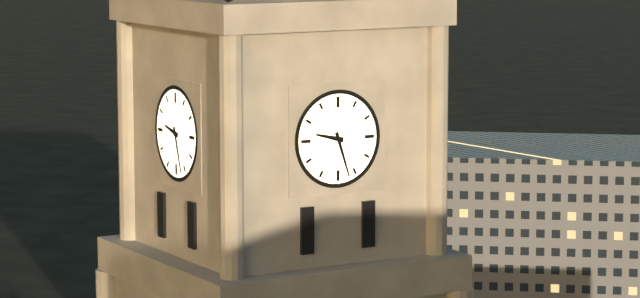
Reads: 9 h 27 min
